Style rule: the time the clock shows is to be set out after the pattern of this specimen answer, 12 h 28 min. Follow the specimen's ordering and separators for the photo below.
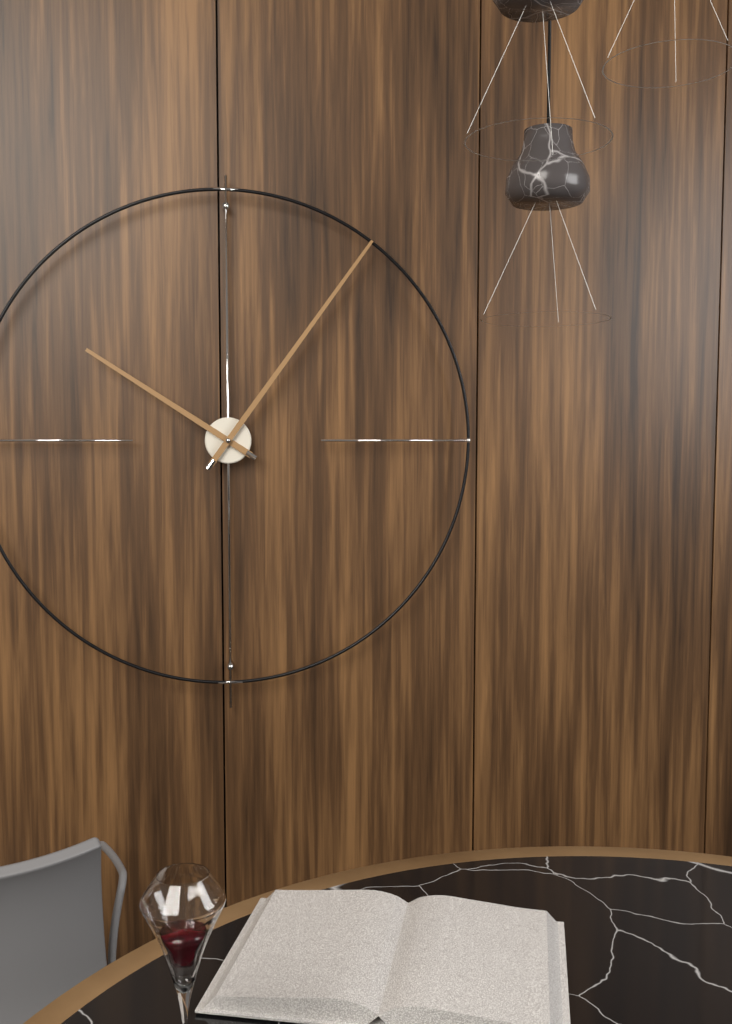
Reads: 10 h 06 min
